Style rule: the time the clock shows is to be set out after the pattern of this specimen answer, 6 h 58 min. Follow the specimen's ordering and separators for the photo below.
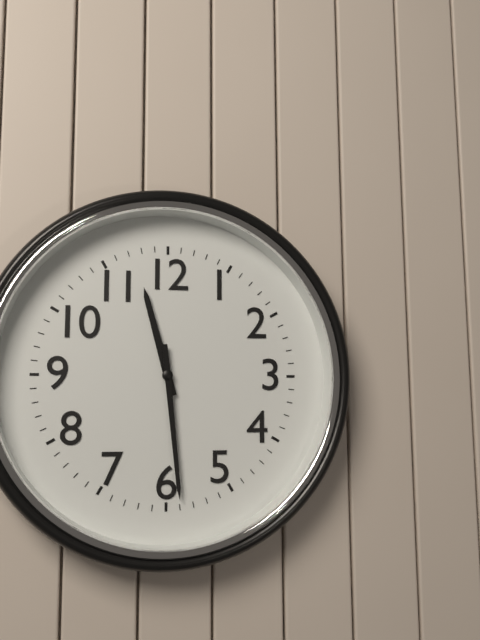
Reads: 11 h 29 min
